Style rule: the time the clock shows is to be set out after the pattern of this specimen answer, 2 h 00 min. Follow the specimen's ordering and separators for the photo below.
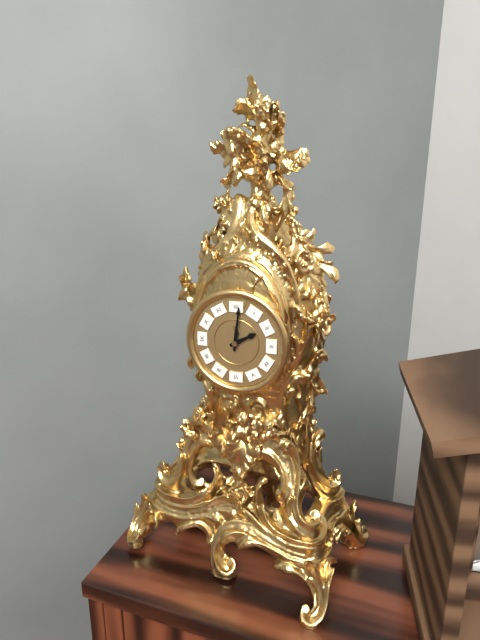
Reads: 2 h 01 min
